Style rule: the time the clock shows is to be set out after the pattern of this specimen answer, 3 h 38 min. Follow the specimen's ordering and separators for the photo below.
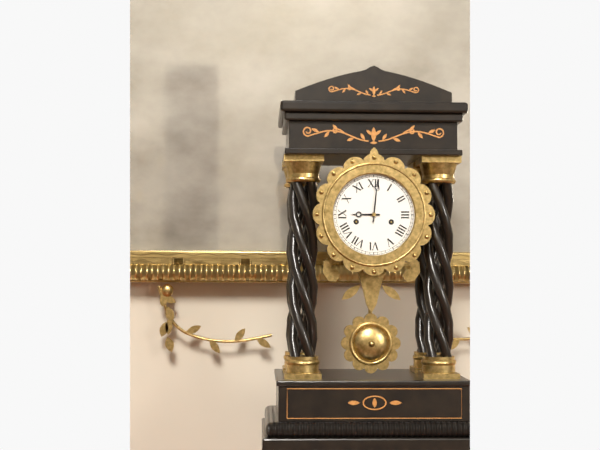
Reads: 9 h 01 min
